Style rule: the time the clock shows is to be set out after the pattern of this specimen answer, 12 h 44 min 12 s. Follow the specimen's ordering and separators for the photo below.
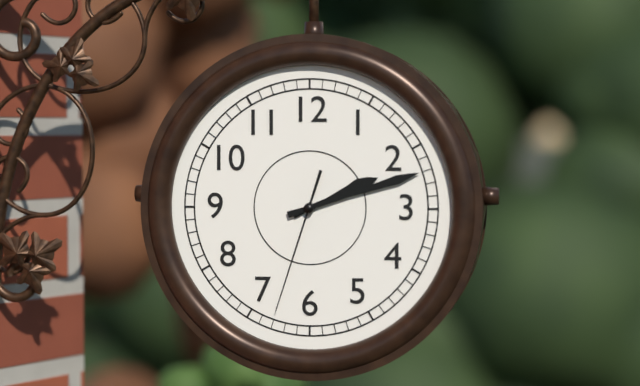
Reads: 2 h 12 min 33 s
